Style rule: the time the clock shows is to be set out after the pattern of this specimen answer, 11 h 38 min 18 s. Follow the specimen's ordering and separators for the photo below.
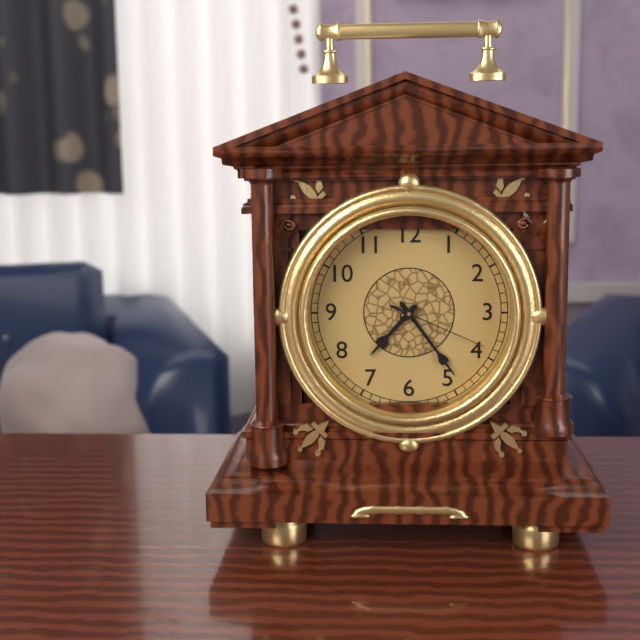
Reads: 7 h 24 min 19 s
